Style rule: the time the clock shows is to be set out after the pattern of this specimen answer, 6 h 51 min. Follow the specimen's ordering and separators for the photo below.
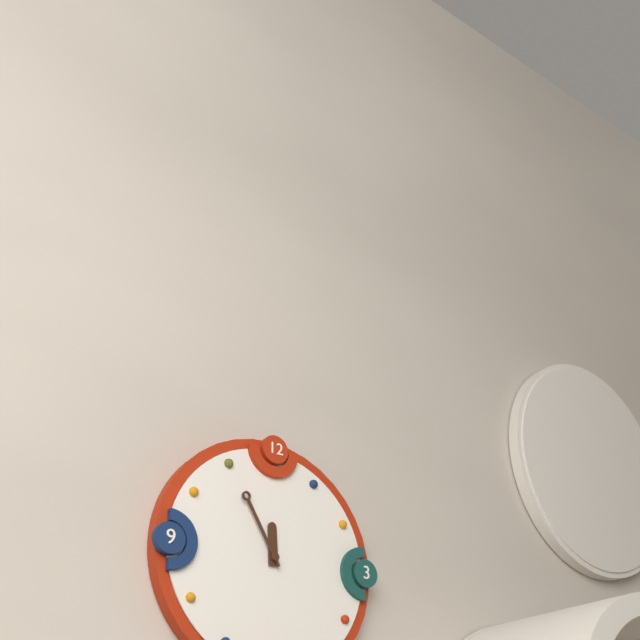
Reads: 11 h 55 min
